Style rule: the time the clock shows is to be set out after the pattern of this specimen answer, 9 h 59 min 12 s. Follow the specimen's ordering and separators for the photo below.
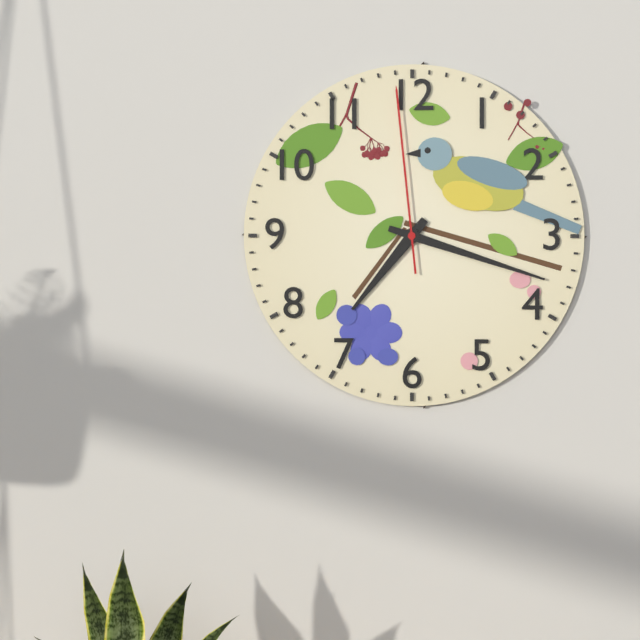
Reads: 7 h 18 min 59 s
